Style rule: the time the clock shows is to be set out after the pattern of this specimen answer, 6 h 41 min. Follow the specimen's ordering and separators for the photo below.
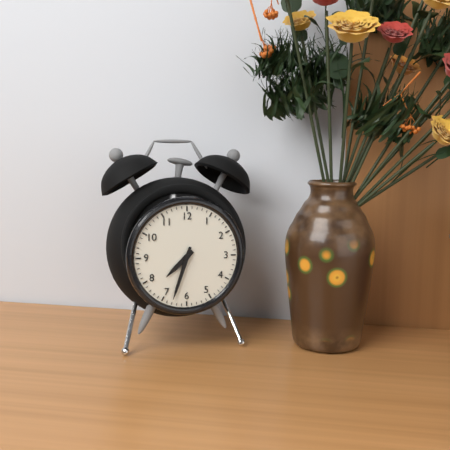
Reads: 7 h 33 min
